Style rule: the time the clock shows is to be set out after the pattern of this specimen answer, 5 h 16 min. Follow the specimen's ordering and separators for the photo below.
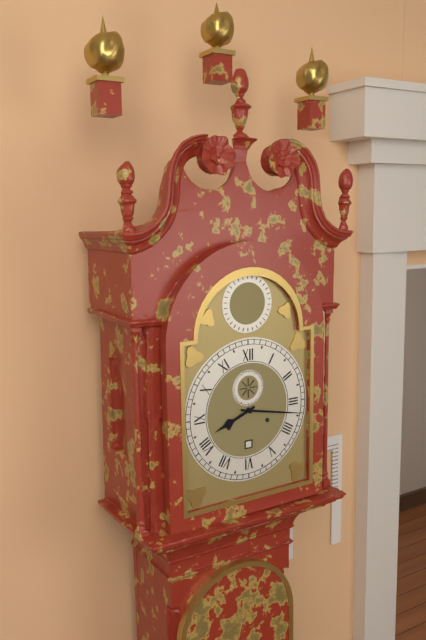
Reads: 8 h 17 min
